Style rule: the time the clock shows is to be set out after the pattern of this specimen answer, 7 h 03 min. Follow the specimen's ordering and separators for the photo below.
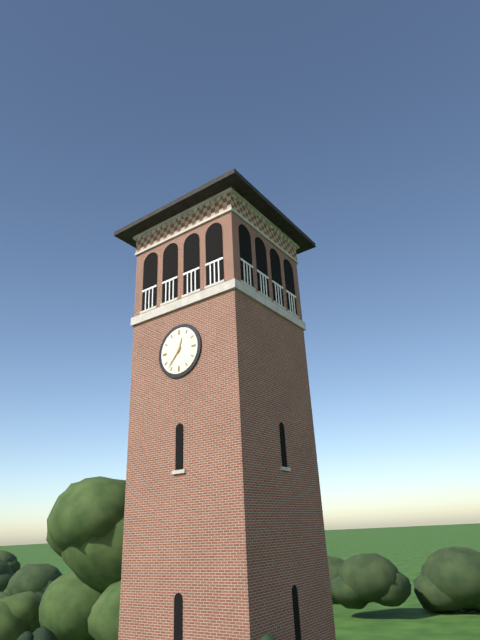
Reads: 12 h 37 min
